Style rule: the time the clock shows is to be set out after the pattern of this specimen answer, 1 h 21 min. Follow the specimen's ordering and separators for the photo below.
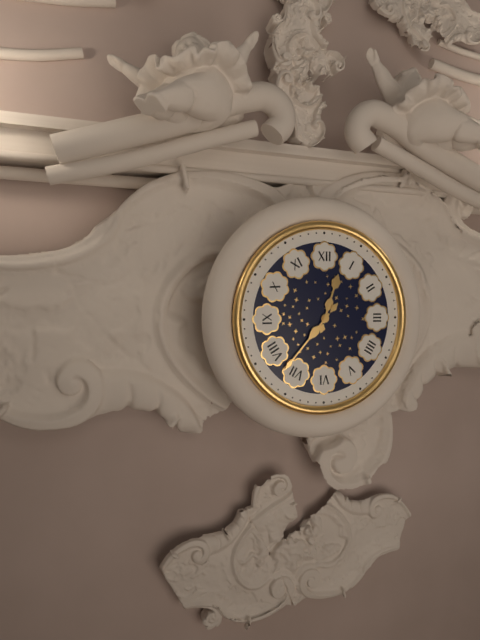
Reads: 12 h 37 min
